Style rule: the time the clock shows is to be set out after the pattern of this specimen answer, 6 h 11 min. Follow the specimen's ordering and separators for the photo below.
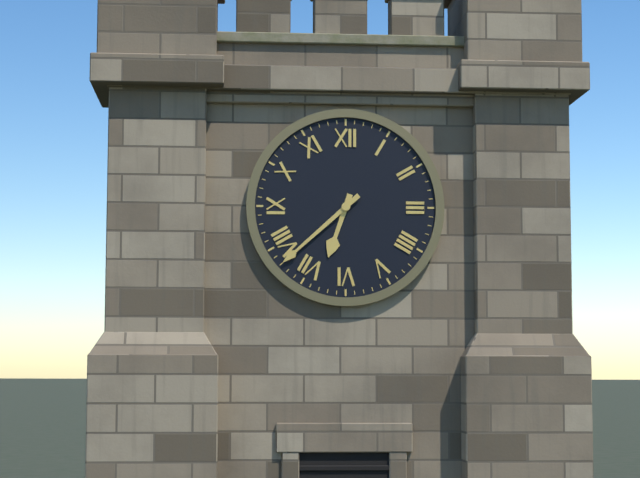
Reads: 6 h 38 min
